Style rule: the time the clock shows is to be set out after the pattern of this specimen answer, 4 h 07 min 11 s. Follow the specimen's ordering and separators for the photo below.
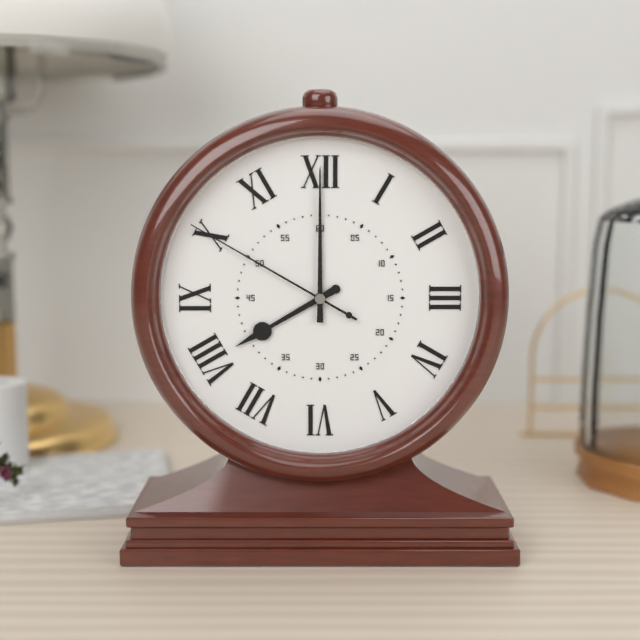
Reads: 8 h 00 min 50 s
